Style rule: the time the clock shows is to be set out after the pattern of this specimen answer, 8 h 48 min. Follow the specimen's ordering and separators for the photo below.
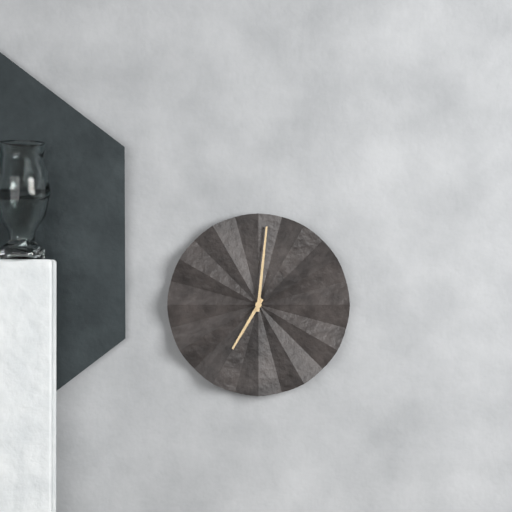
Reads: 7 h 01 min
